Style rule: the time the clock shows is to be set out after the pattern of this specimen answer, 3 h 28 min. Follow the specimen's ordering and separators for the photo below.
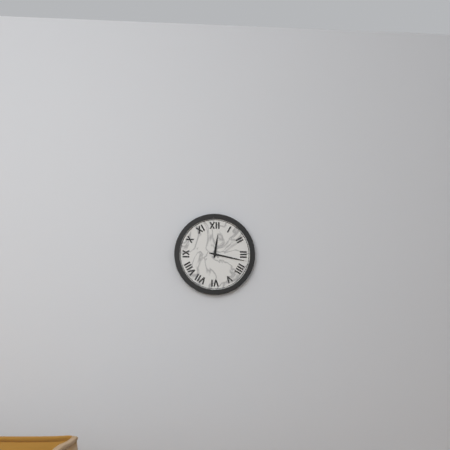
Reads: 12 h 17 min
